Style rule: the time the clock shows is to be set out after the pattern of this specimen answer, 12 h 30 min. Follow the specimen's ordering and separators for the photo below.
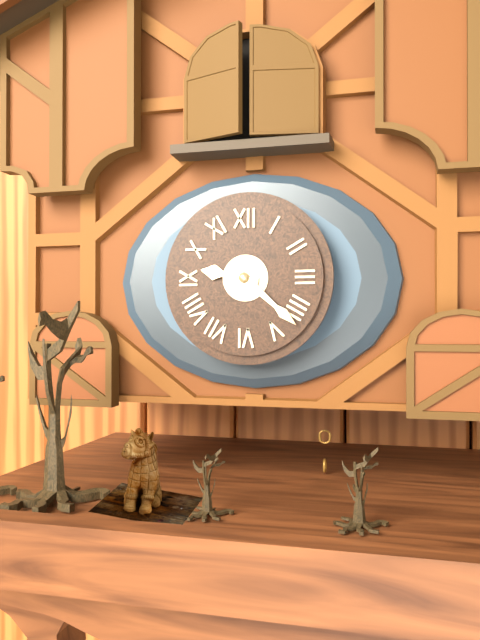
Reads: 9 h 22 min
